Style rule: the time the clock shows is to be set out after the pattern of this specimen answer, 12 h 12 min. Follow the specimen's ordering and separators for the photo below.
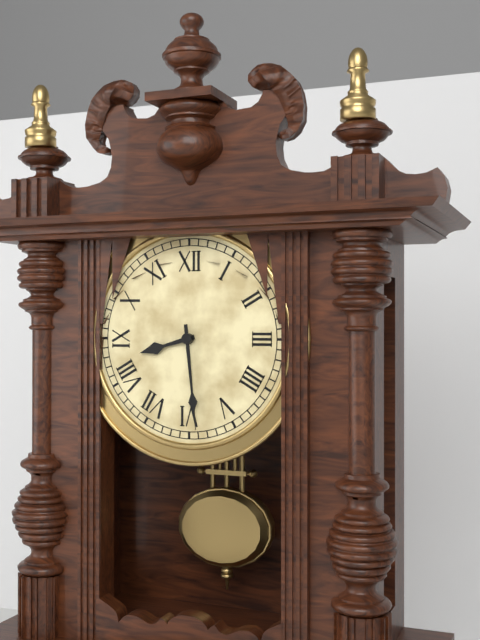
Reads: 8 h 29 min
